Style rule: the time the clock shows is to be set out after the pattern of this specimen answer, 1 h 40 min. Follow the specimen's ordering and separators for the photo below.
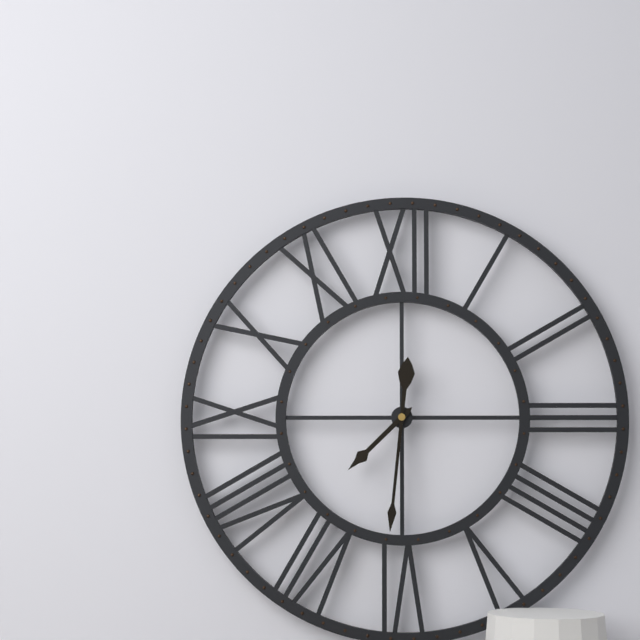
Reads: 7 h 31 min
